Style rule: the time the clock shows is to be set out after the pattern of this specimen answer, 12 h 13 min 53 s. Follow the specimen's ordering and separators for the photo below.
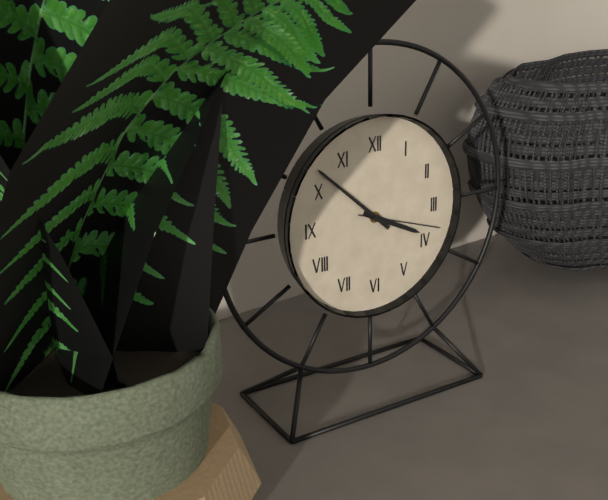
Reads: 3 h 52 min 18 s
